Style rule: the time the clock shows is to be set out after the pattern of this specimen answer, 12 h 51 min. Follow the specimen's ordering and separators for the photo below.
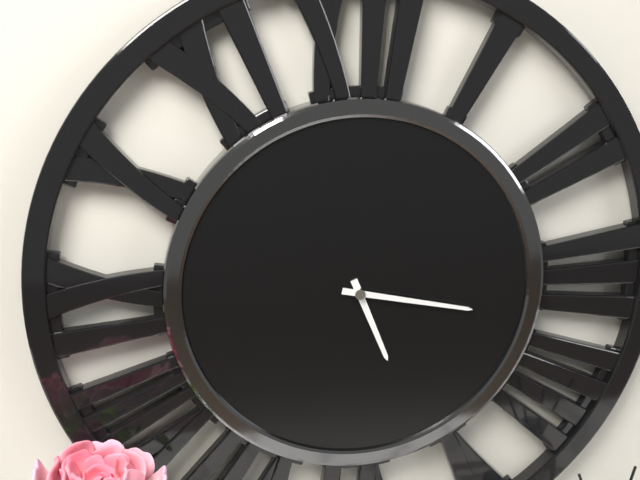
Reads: 5 h 17 min
